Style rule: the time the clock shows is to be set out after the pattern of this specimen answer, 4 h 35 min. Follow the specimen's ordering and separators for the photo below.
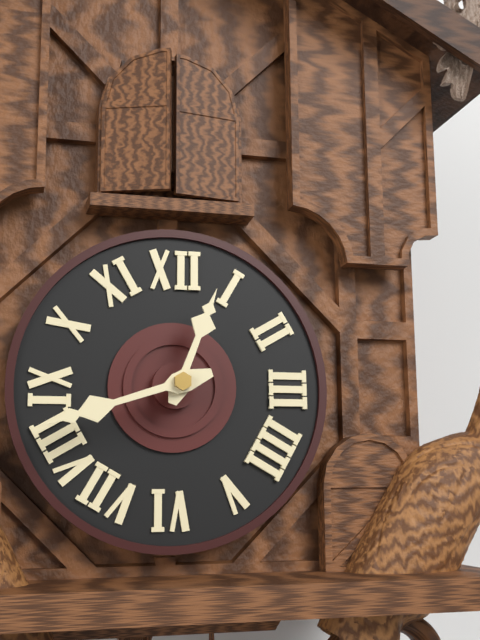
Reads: 12 h 42 min
